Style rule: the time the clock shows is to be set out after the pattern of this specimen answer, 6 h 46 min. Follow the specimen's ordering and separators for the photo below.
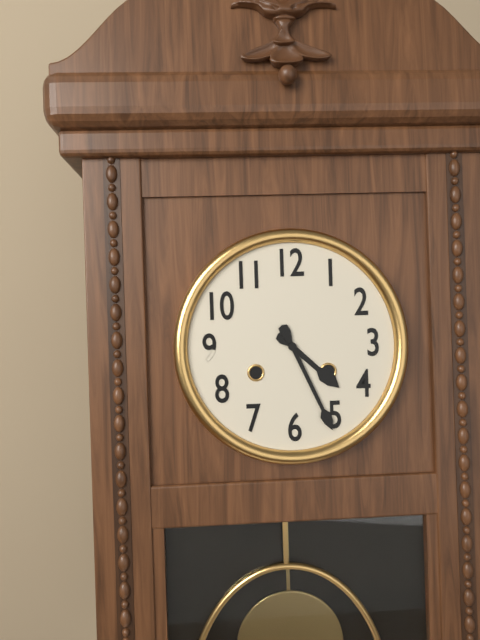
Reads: 4 h 26 min
